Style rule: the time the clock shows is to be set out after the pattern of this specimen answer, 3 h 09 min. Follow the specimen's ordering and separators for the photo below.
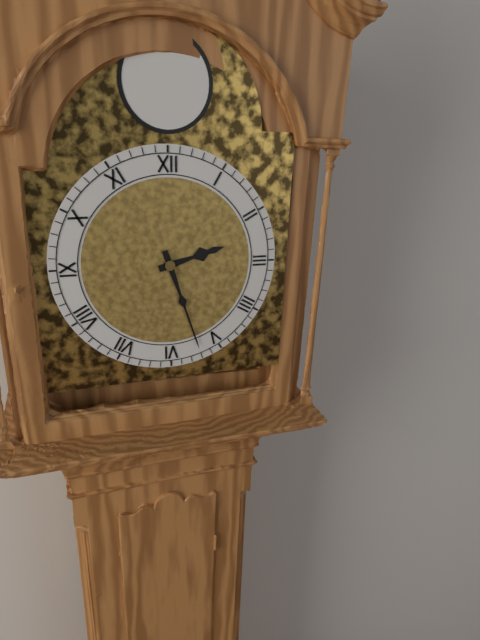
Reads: 2 h 27 min
